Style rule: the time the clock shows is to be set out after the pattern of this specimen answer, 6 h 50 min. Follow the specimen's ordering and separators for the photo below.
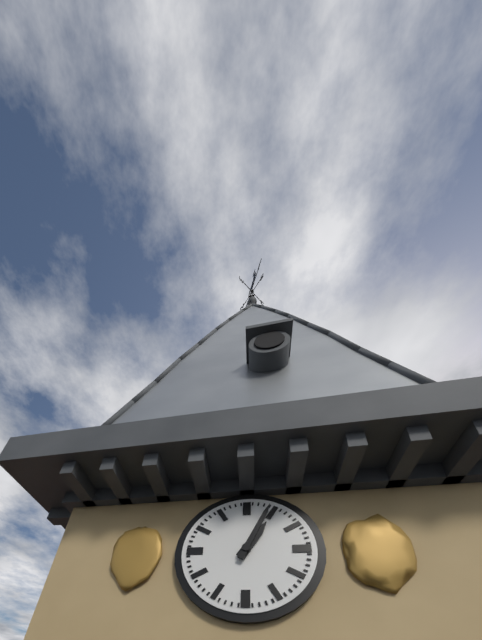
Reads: 1 h 04 min
